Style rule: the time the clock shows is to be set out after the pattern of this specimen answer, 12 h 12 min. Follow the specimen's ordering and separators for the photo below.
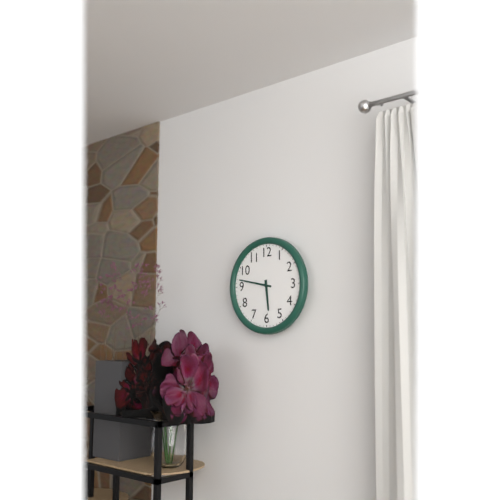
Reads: 5 h 47 min
